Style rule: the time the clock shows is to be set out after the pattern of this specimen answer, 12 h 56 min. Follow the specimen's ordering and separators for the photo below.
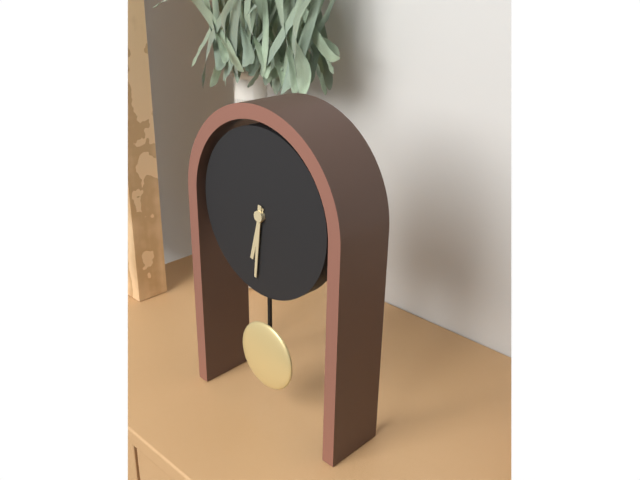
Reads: 6 h 31 min
